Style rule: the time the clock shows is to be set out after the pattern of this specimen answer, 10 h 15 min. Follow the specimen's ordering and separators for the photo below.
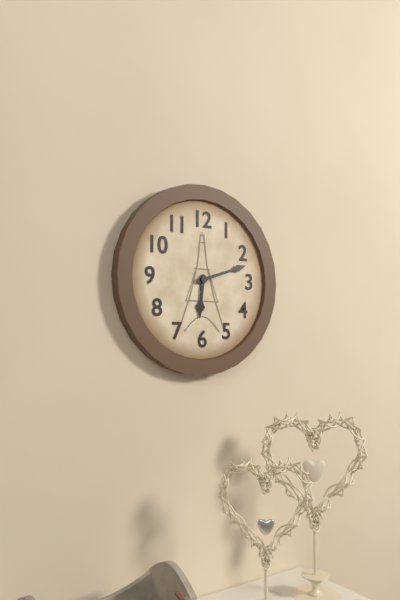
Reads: 6 h 12 min
